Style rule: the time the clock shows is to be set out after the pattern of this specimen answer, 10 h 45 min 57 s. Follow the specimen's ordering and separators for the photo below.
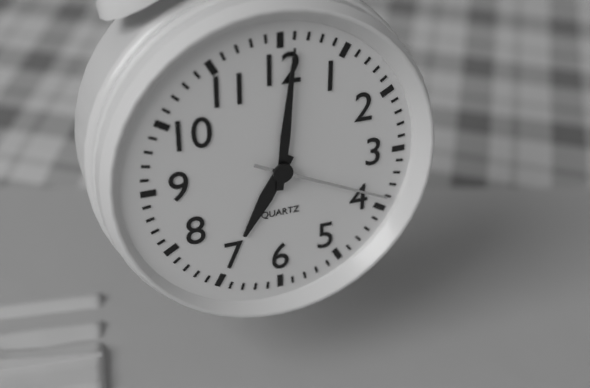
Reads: 7 h 01 min 19 s
